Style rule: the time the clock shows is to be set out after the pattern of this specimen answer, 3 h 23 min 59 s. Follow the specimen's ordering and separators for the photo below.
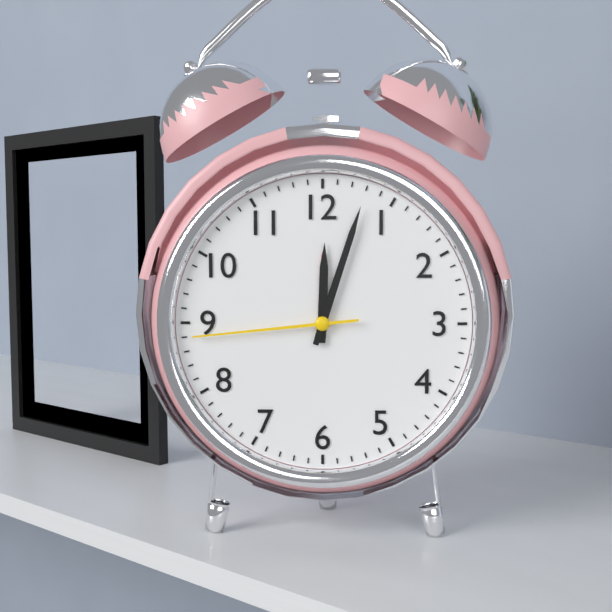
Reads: 12 h 03 min 44 s
